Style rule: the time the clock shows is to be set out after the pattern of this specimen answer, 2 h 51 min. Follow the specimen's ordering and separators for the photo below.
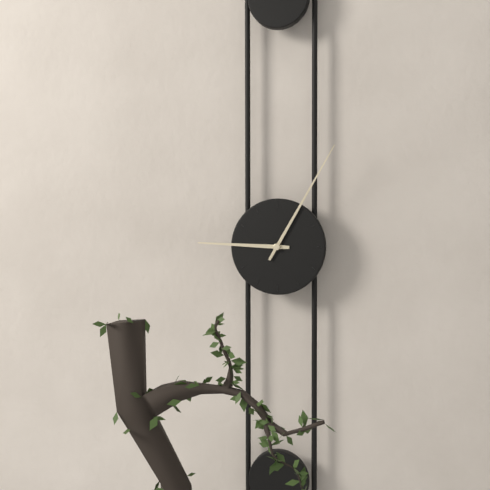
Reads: 9 h 05 min
